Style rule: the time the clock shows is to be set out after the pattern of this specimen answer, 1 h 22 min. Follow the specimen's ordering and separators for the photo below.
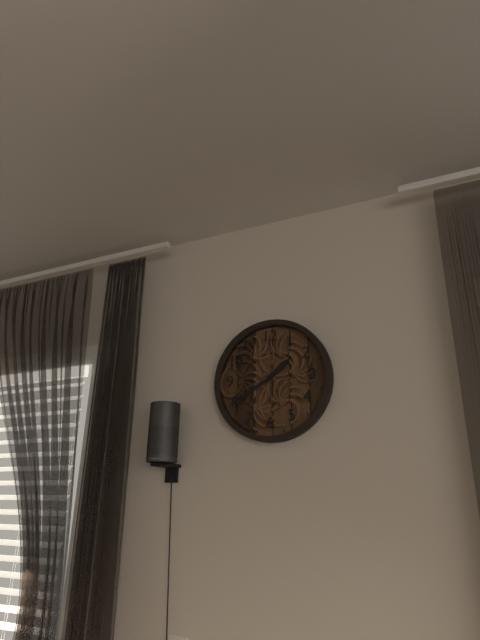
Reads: 1 h 40 min
